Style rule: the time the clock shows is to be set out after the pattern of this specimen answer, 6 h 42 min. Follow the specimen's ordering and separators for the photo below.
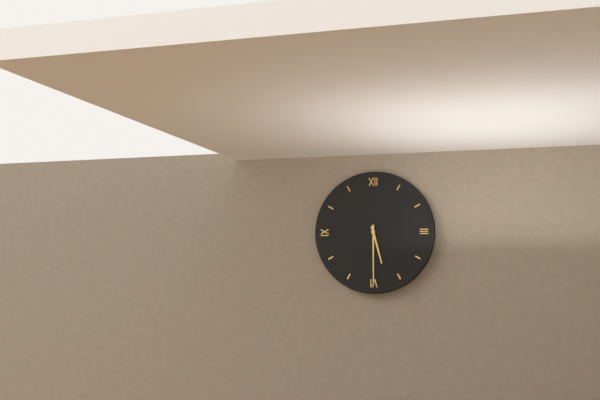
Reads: 5 h 30 min
